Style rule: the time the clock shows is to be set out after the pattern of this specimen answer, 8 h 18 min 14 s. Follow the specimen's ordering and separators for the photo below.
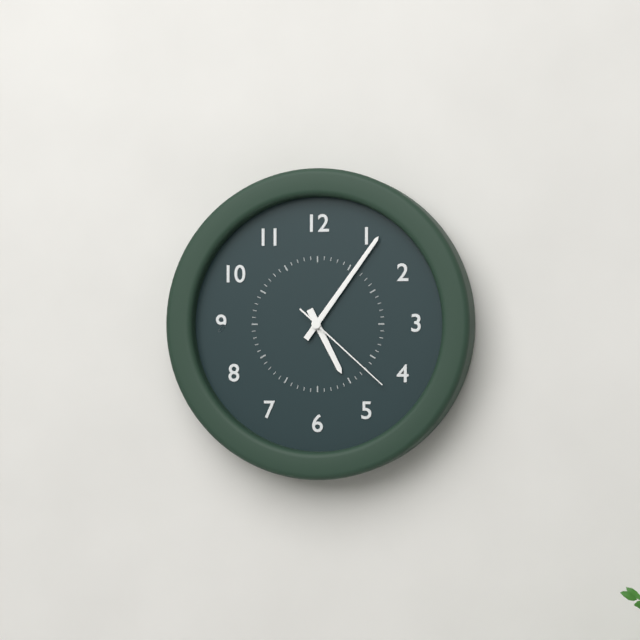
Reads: 5 h 06 min 22 s
